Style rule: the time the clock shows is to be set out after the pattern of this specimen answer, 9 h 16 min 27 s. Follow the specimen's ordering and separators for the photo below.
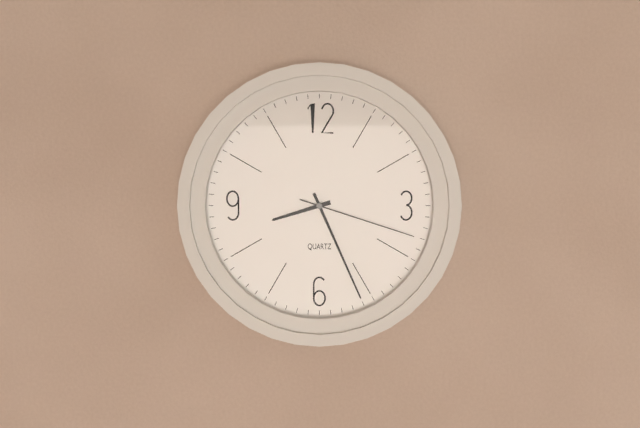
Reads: 8 h 26 min 18 s
